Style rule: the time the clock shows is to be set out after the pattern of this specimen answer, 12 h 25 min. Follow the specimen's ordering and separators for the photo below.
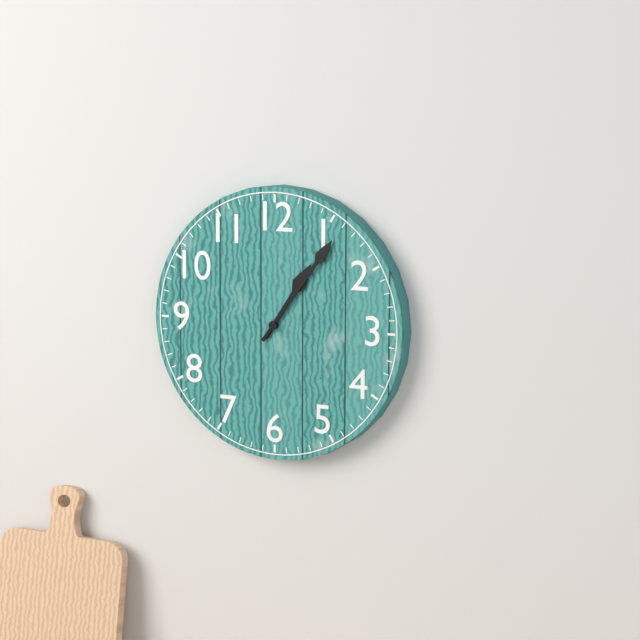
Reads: 1 h 06 min
